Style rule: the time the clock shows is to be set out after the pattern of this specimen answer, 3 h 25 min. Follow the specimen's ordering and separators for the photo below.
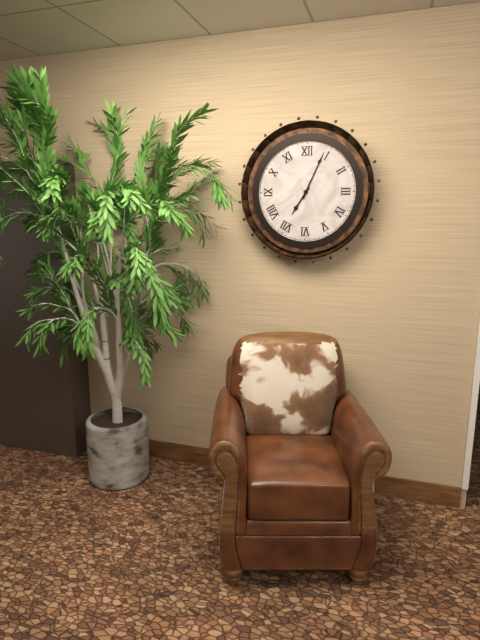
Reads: 7 h 04 min
